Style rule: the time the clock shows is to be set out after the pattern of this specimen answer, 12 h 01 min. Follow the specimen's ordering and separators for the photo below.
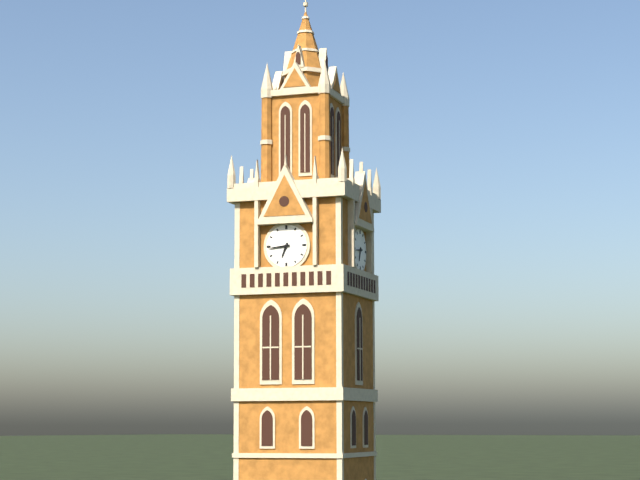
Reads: 6 h 44 min
